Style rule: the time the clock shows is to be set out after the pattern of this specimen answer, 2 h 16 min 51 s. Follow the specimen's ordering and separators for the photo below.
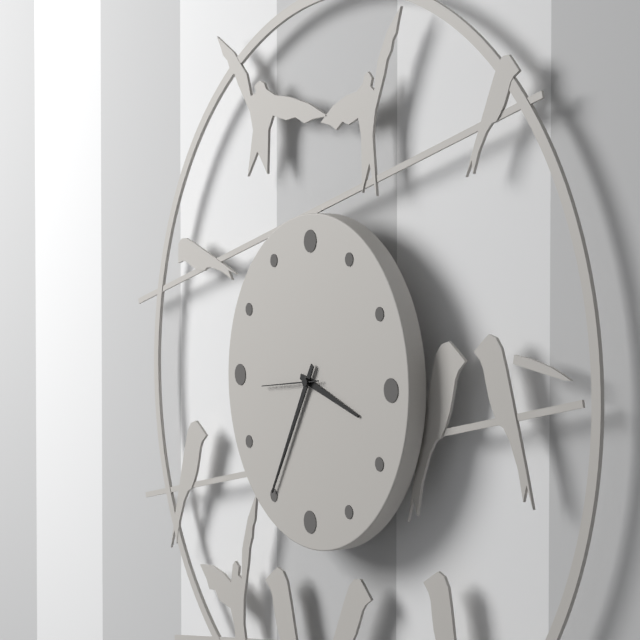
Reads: 3 h 35 min 44 s
